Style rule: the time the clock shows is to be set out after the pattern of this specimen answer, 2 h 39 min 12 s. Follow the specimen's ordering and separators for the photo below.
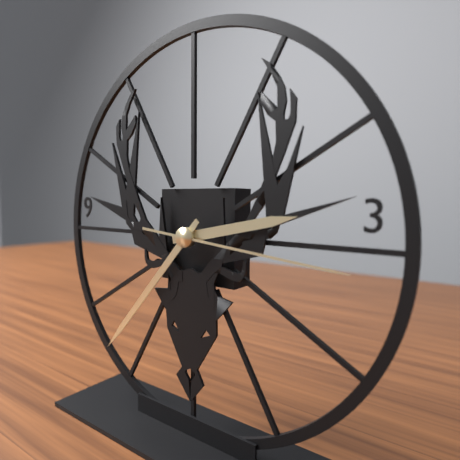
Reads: 2 h 37 min 16 s
